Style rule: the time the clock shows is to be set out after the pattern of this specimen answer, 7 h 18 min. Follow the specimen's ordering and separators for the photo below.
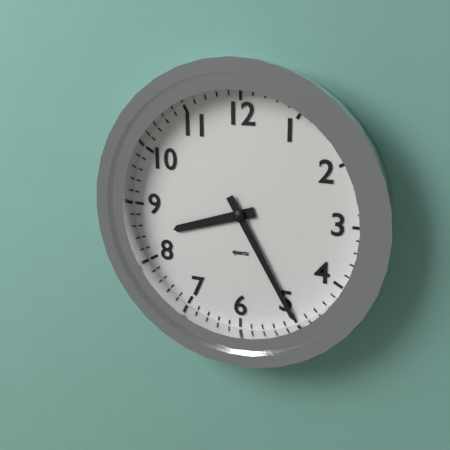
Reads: 8 h 25 min
